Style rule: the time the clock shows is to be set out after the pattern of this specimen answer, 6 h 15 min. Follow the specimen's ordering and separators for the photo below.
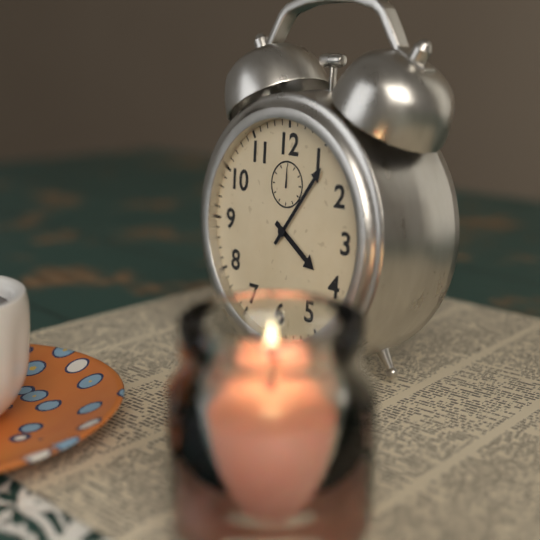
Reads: 4 h 06 min
